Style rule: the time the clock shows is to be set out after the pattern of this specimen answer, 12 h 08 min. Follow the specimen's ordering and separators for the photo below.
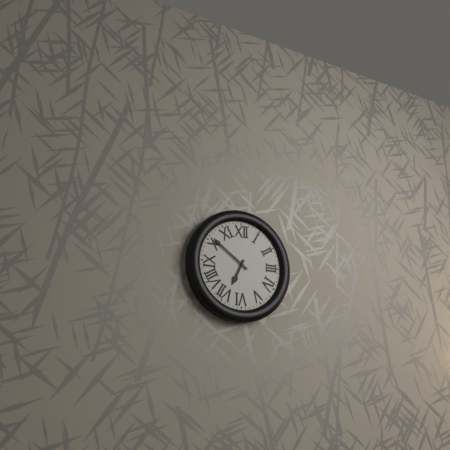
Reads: 6 h 51 min
